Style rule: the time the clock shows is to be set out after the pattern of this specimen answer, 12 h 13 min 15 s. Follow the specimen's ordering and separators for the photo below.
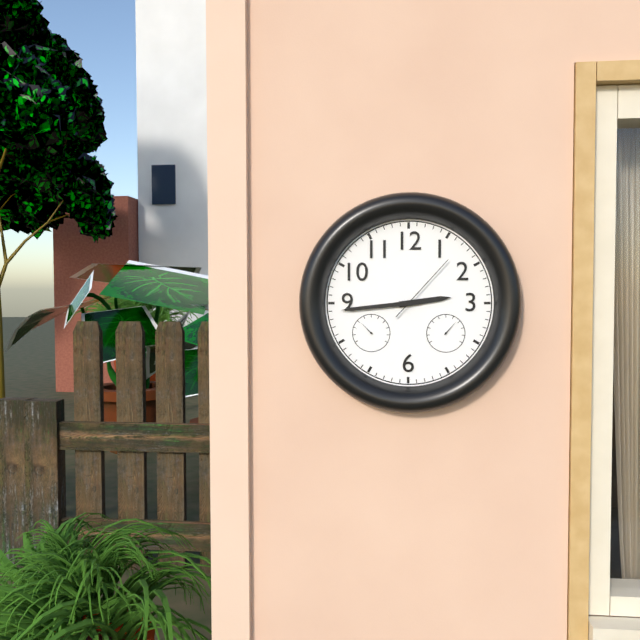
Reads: 2 h 44 min 07 s
